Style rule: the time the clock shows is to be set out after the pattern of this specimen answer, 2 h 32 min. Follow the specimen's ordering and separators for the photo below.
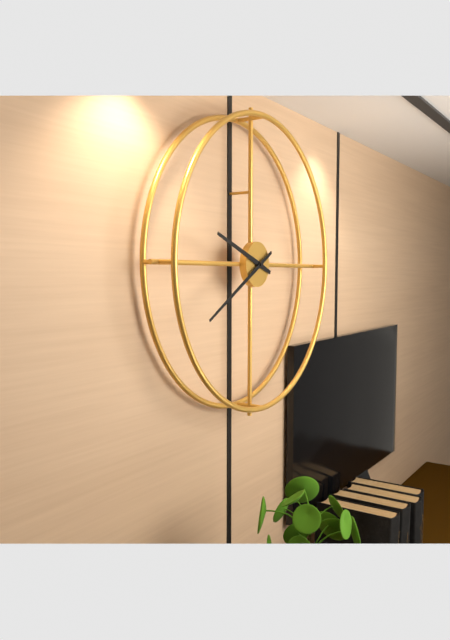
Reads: 9 h 40 min
